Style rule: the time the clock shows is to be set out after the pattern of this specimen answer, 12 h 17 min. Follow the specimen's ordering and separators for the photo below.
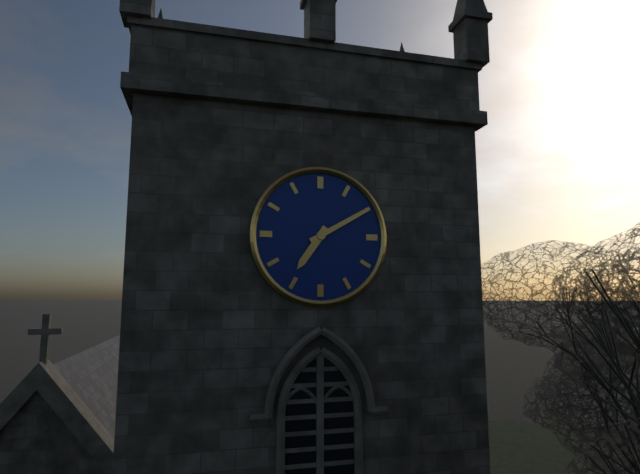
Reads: 7 h 10 min
